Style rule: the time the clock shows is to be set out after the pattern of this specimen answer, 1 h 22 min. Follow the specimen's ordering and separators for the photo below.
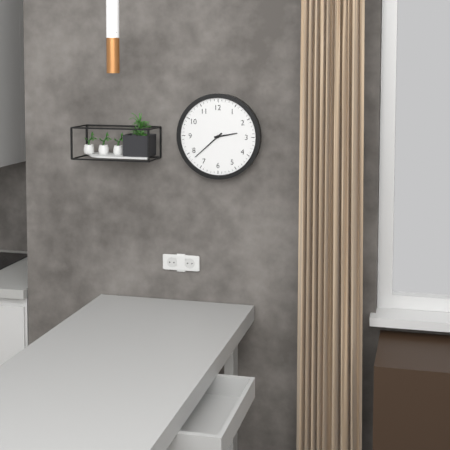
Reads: 2 h 38 min
